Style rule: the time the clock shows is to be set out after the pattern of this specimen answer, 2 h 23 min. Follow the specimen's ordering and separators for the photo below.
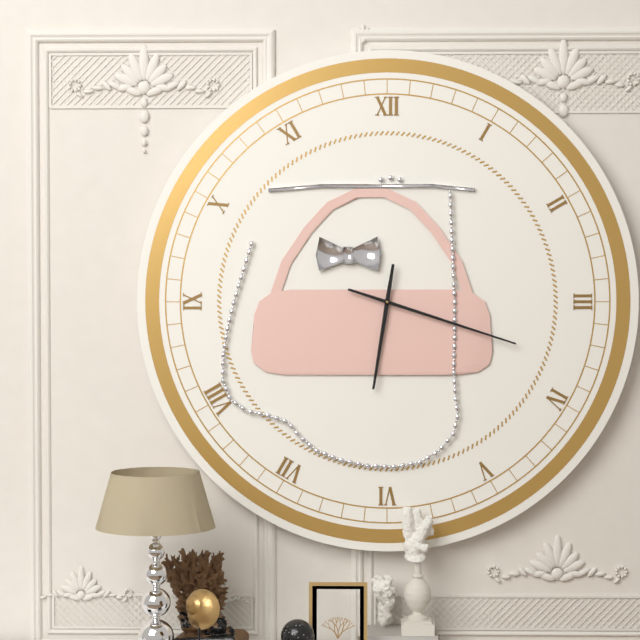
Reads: 6 h 18 min
